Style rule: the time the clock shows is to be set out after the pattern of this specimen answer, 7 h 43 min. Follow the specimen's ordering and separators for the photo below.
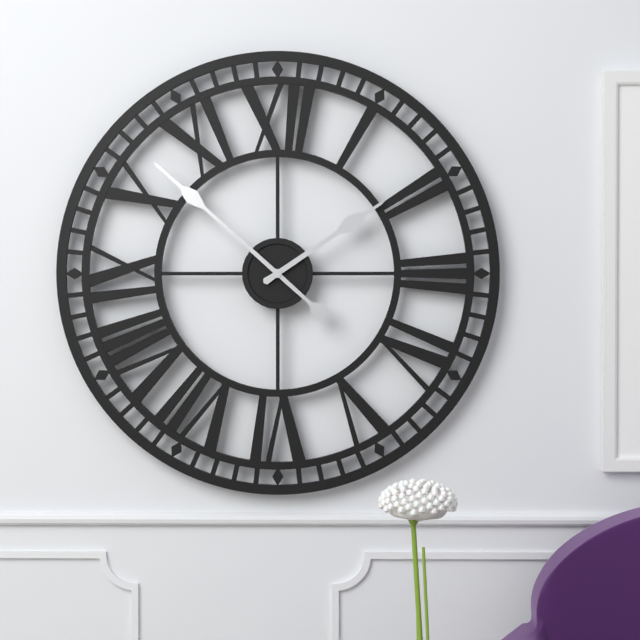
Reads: 1 h 52 min
